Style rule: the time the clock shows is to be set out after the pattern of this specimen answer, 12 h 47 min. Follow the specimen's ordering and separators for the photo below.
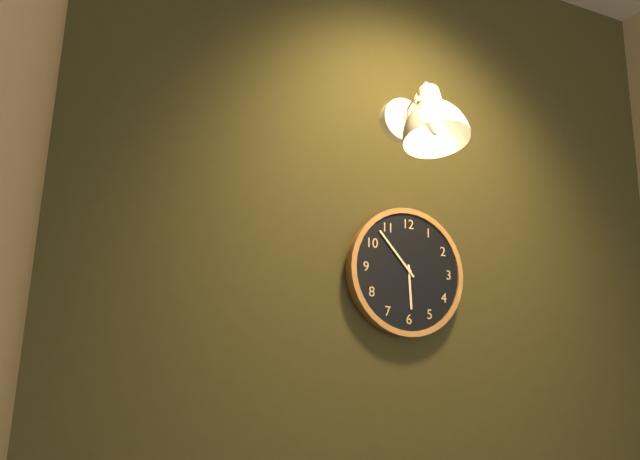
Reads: 5 h 53 min
